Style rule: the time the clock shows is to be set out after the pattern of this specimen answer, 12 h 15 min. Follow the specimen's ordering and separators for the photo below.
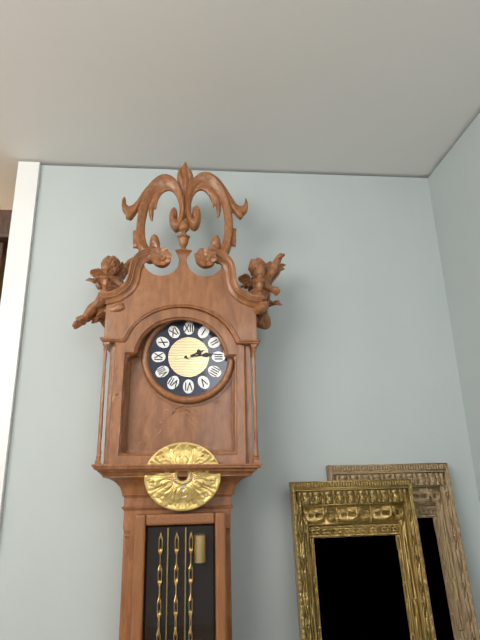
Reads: 2 h 14 min
